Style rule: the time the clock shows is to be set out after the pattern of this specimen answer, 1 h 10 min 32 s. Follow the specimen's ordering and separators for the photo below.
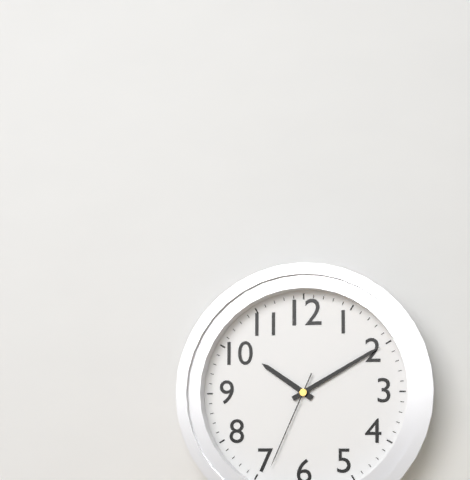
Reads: 10 h 10 min 34 s
